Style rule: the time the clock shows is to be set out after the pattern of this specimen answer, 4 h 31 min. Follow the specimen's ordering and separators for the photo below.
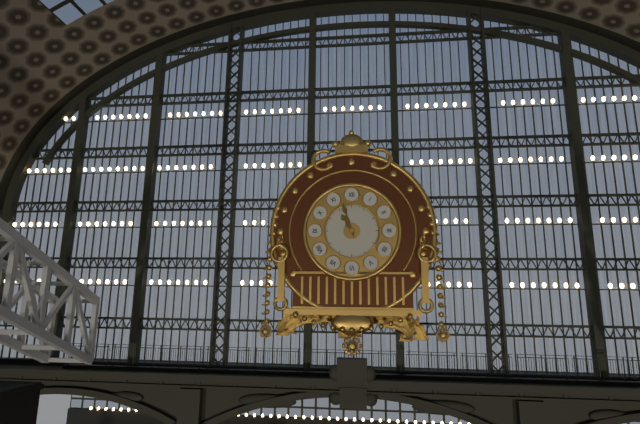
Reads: 10 h 57 min
